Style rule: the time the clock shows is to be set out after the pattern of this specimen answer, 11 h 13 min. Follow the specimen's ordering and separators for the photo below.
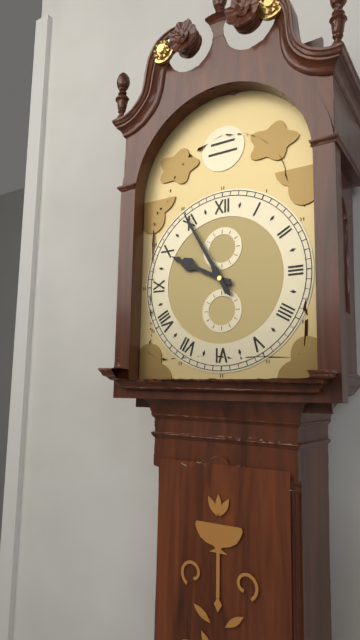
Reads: 9 h 55 min
